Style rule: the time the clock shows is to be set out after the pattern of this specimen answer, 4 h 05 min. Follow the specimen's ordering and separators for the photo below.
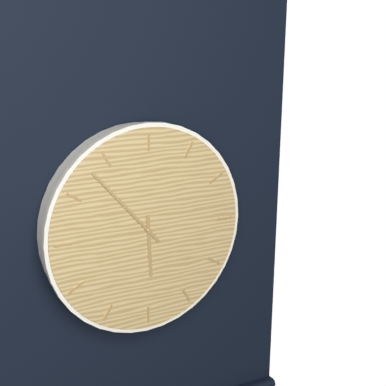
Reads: 5 h 53 min
